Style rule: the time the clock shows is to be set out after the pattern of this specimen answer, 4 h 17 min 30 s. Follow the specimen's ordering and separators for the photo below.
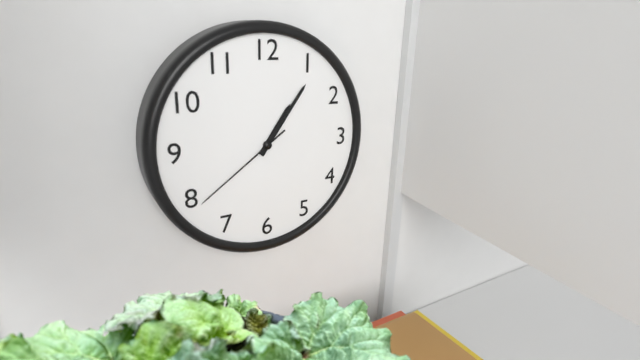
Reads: 1 h 06 min 39 s
